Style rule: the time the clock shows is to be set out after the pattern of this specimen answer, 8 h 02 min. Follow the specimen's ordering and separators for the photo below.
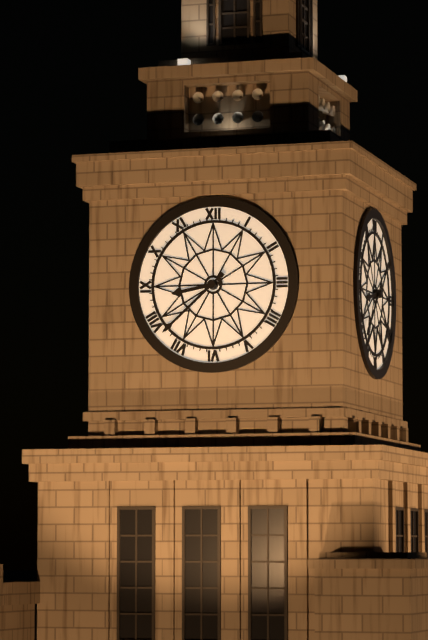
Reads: 8 h 38 min
